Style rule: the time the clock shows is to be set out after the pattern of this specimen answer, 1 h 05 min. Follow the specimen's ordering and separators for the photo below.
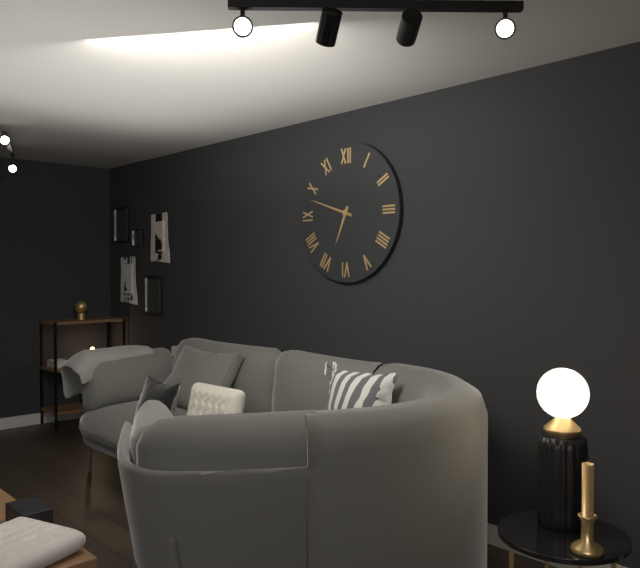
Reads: 6 h 48 min
